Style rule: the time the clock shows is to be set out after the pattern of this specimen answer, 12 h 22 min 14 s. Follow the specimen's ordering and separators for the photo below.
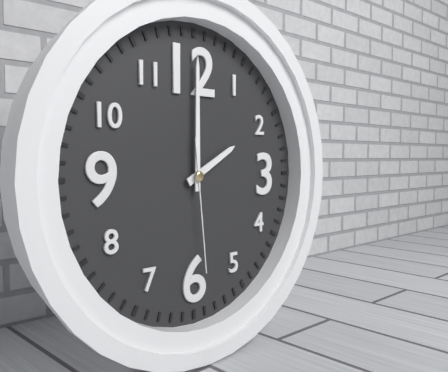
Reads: 2 h 00 min 29 s
